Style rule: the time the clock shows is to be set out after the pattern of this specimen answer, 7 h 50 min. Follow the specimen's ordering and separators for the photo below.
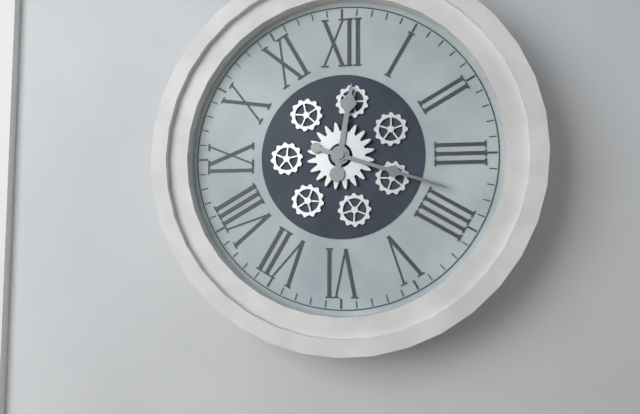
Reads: 12 h 18 min
